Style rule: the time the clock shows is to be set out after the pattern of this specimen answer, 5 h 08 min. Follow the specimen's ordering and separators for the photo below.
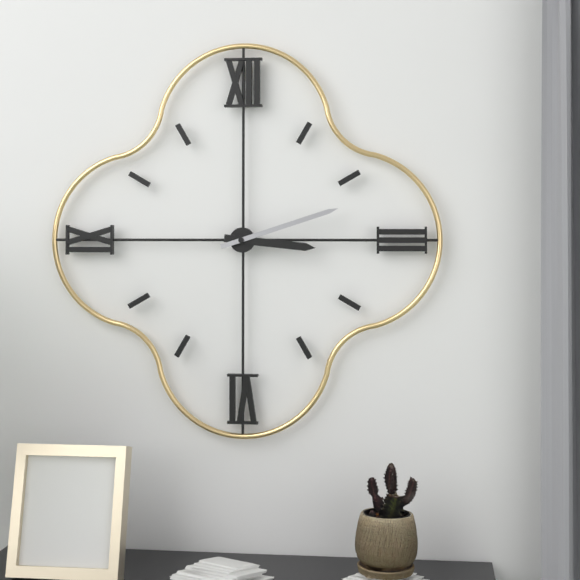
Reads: 3 h 12 min
